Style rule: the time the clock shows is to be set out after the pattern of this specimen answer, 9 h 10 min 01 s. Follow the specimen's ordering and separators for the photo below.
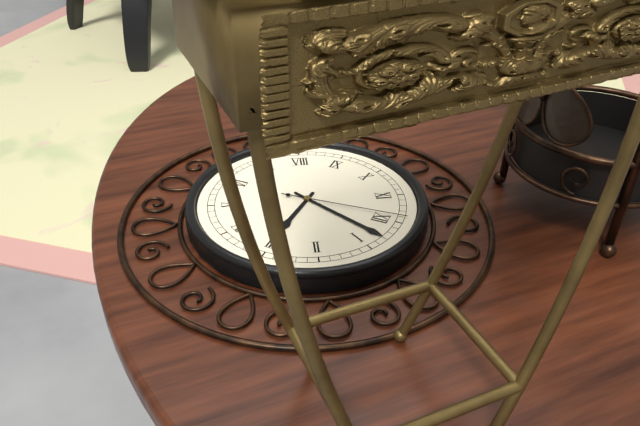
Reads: 3 h 03 min 59 s
